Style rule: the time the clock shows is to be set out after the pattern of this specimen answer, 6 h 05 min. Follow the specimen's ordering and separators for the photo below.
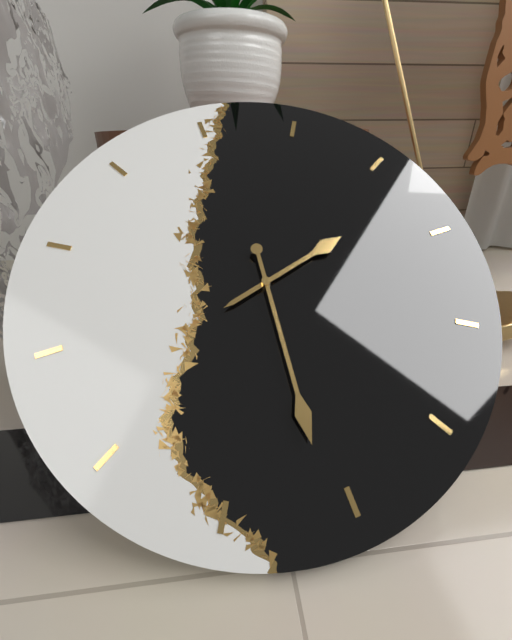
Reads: 2 h 31 min
